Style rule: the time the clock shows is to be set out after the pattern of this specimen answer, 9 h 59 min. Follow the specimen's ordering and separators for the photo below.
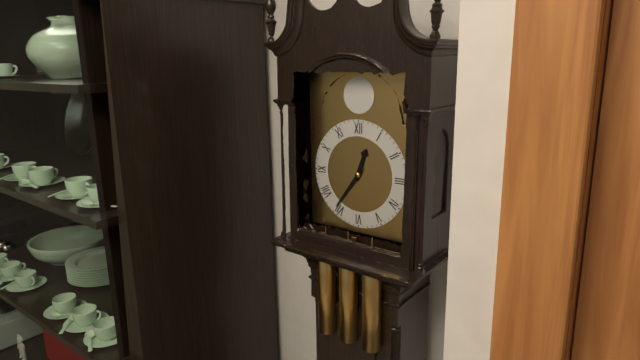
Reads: 12 h 36 min
